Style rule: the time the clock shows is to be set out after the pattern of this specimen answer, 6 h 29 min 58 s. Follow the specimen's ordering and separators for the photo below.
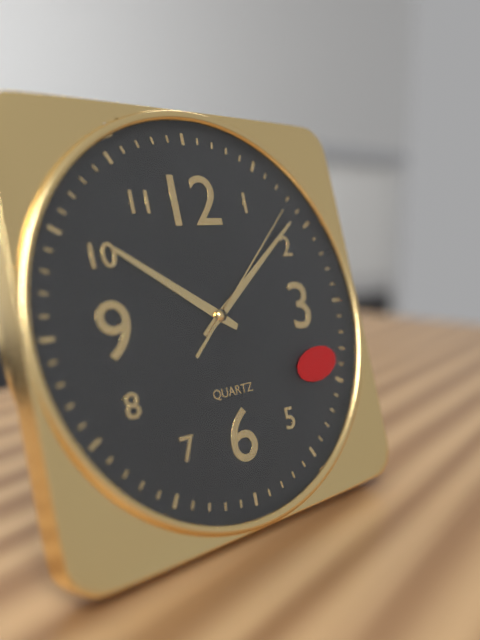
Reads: 10 h 09 min 08 s
